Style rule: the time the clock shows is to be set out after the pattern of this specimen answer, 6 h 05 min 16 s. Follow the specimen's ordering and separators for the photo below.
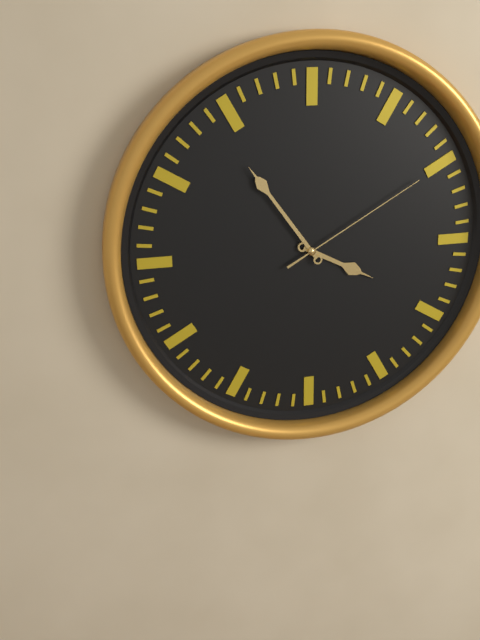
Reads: 3 h 54 min 10 s
